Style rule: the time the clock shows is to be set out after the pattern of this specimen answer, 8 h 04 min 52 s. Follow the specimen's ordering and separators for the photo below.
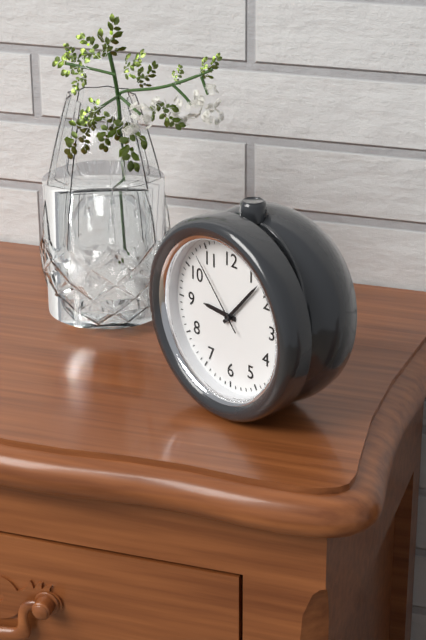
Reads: 9 h 07 min 53 s
